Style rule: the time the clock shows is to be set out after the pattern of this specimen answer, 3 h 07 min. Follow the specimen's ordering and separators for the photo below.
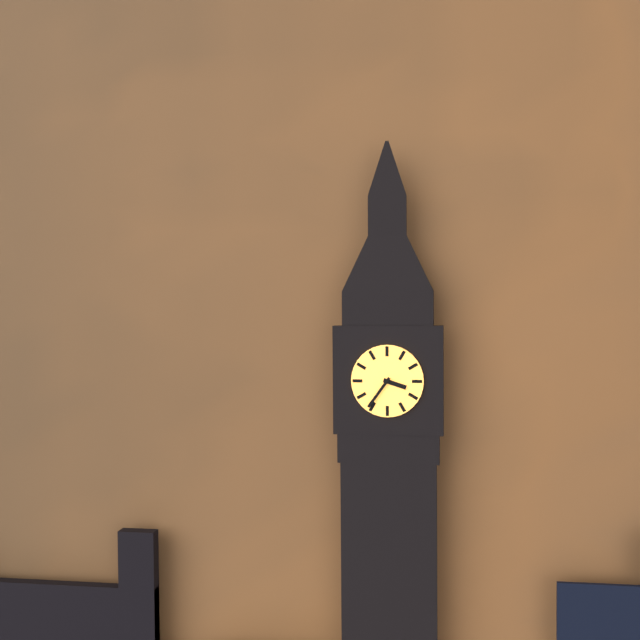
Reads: 3 h 36 min
